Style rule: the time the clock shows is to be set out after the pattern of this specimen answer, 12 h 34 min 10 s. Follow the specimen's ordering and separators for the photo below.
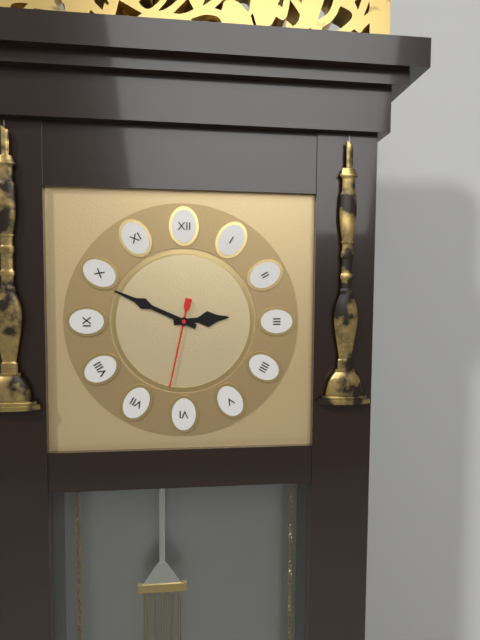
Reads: 2 h 49 min 32 s
